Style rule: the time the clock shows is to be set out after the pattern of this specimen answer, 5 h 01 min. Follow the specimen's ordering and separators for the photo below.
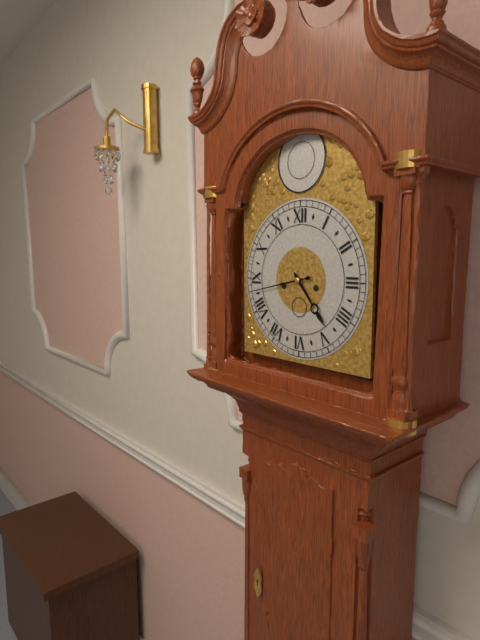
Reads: 4 h 43 min
